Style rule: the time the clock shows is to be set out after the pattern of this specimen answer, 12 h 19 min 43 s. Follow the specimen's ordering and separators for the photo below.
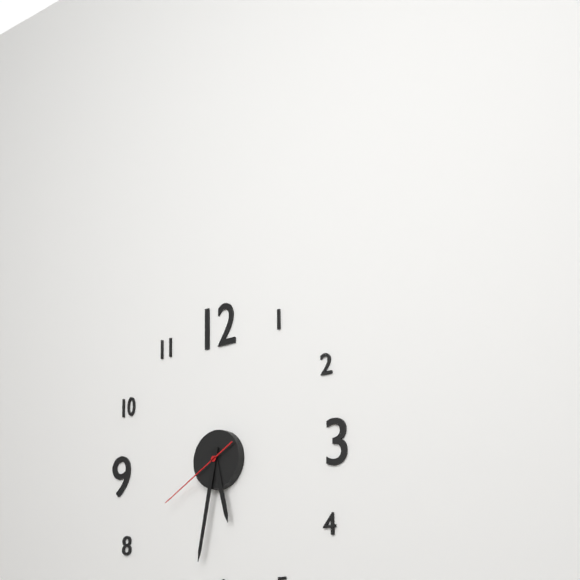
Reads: 5 h 32 min 40 s
